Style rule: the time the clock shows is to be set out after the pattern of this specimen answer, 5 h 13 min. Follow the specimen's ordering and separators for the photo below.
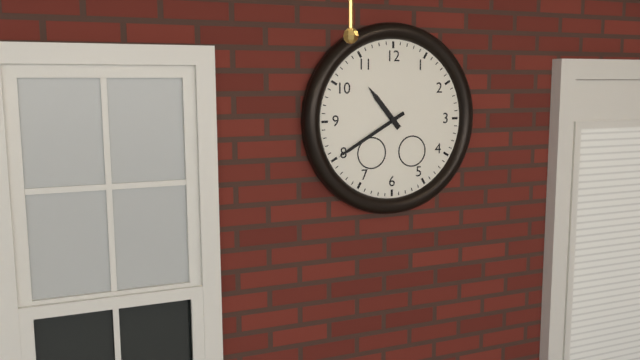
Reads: 10 h 40 min
